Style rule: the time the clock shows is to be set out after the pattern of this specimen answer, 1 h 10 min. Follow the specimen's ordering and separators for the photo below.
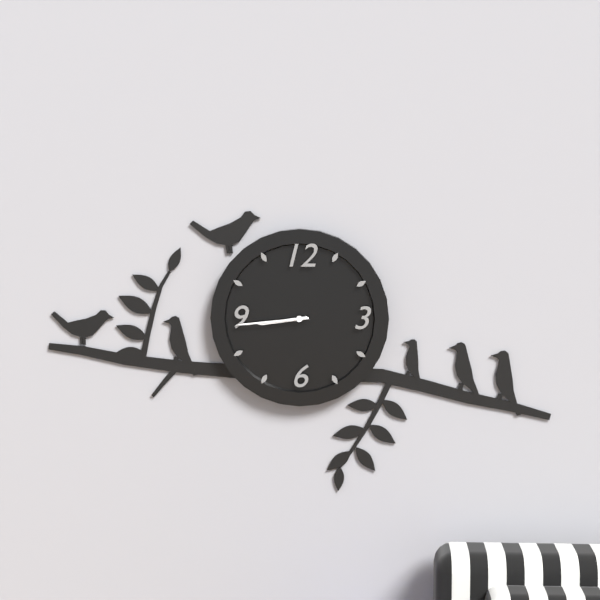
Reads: 8 h 44 min
